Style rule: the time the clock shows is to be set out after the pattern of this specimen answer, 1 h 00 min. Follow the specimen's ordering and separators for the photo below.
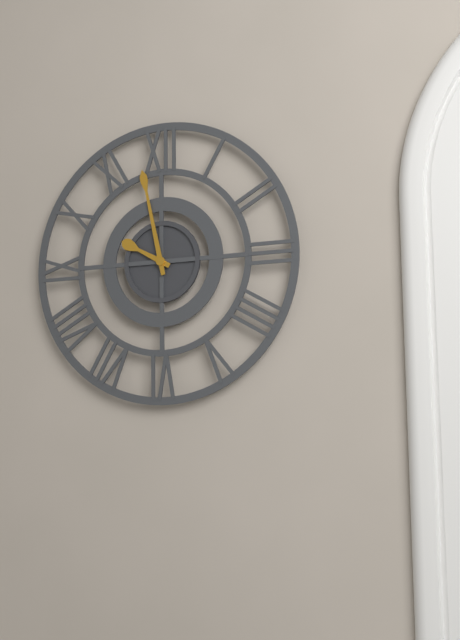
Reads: 9 h 58 min
